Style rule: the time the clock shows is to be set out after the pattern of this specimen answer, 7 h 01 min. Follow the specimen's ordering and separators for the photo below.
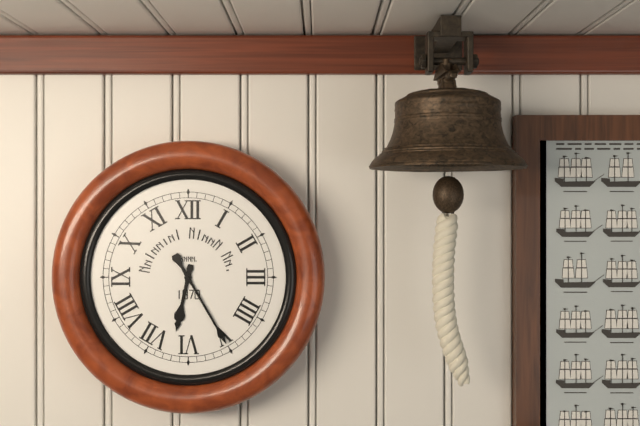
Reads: 6 h 25 min
